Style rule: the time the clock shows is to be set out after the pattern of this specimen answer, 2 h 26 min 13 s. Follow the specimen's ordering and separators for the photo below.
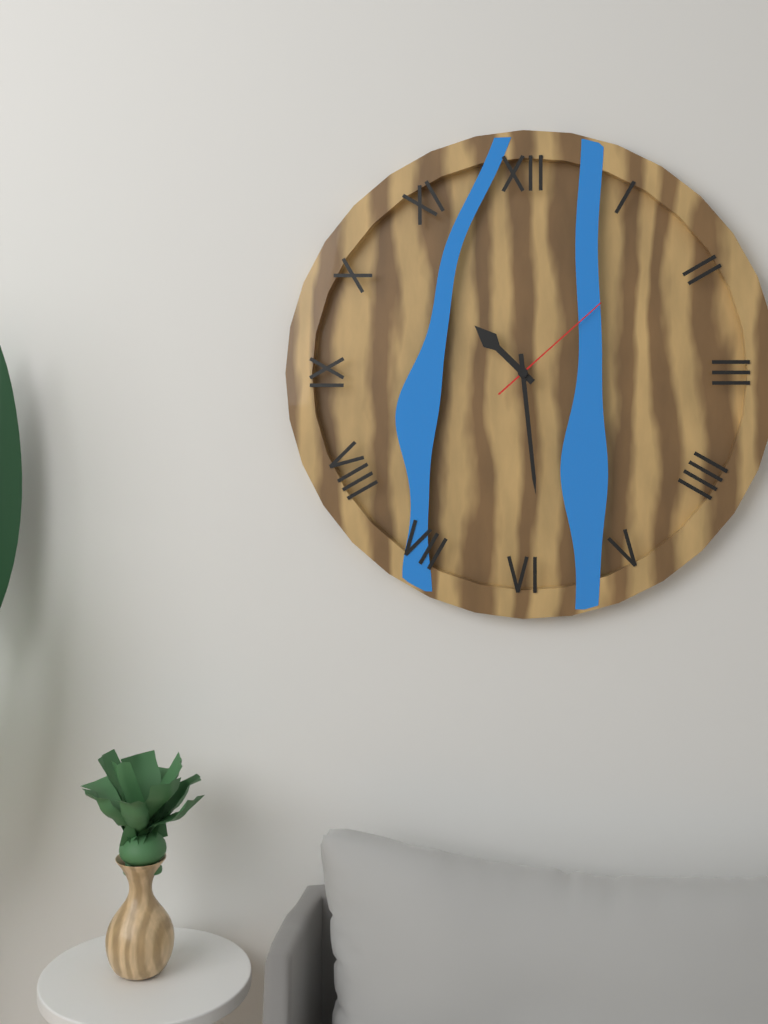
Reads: 10 h 29 min 08 s
